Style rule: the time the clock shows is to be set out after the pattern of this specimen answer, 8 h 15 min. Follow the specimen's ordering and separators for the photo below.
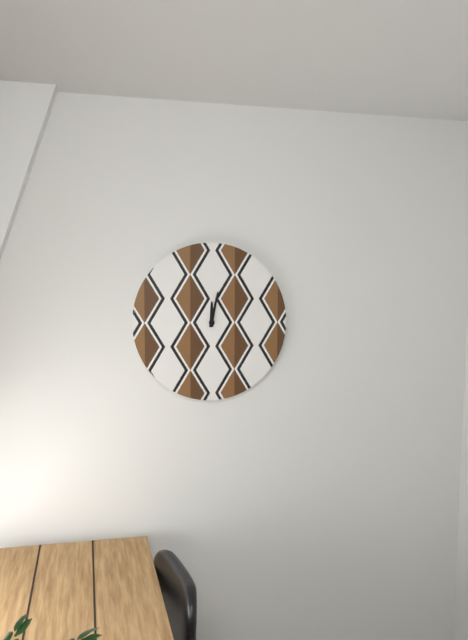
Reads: 12 h 02 min
